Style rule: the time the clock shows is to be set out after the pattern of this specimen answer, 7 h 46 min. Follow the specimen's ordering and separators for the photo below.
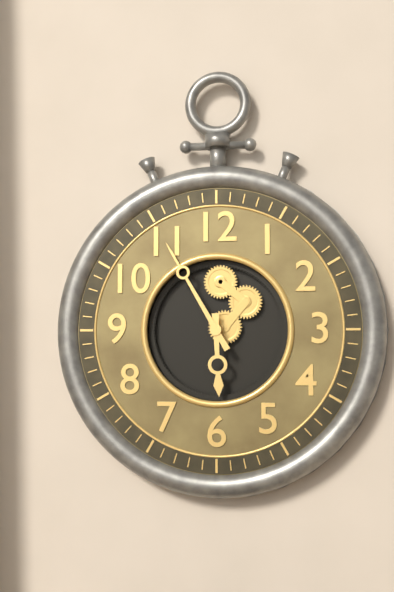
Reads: 5 h 55 min
